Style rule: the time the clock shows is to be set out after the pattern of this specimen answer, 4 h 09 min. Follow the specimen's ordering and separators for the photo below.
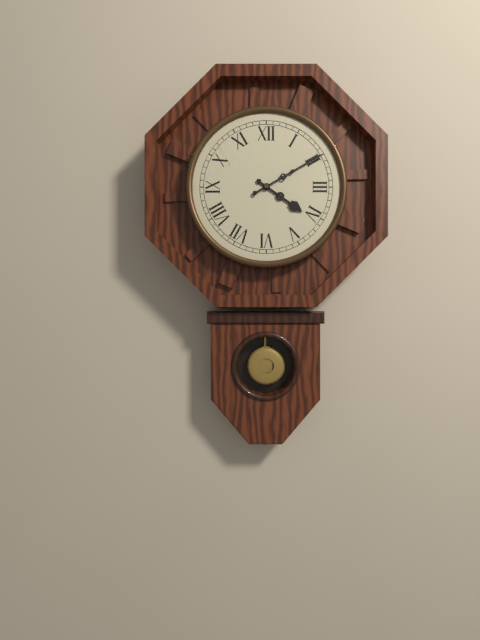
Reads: 4 h 10 min
